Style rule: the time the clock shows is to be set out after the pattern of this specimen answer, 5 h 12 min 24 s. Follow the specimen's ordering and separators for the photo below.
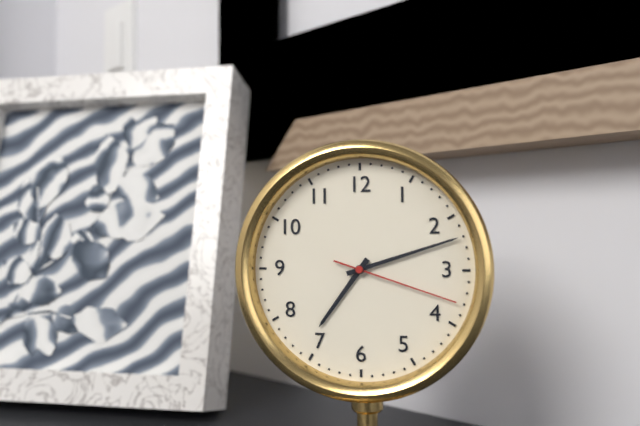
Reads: 7 h 12 min 18 s
